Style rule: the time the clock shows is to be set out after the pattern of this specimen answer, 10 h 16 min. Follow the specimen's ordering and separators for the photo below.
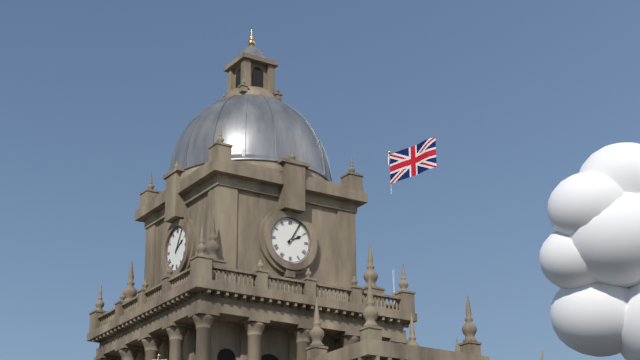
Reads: 2 h 05 min
